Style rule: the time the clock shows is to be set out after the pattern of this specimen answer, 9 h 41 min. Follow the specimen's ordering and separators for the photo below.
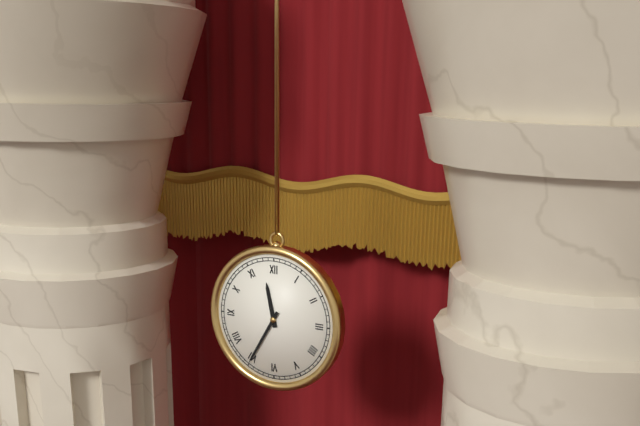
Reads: 11 h 35 min
